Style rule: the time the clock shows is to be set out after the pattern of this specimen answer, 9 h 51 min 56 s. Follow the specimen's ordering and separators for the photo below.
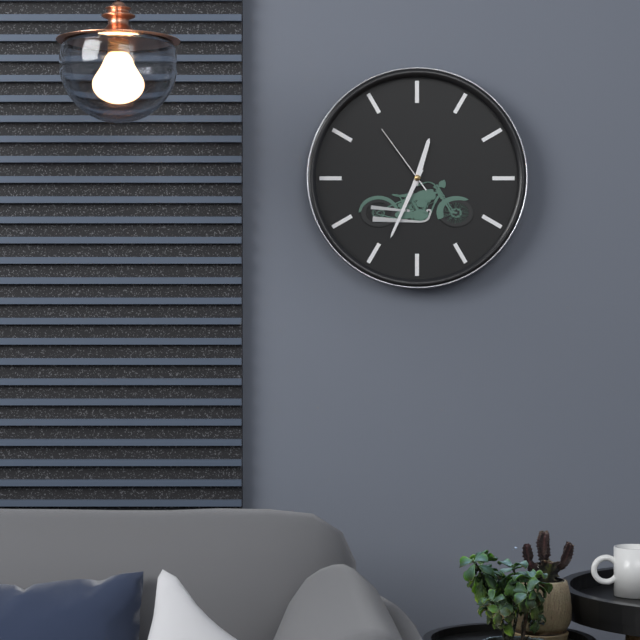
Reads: 12 h 34 min 54 s
